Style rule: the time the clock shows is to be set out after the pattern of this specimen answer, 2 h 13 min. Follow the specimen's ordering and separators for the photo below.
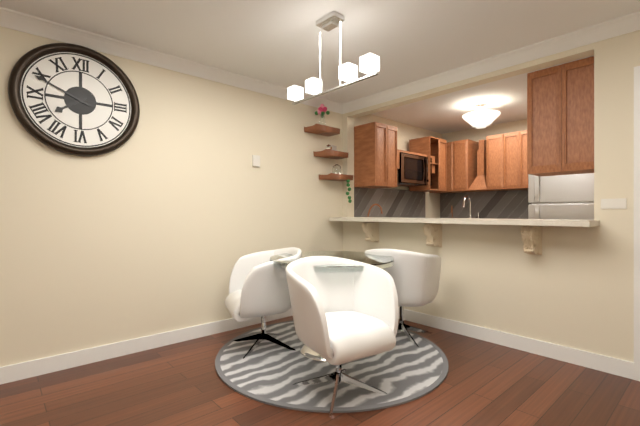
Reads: 7 h 49 min
